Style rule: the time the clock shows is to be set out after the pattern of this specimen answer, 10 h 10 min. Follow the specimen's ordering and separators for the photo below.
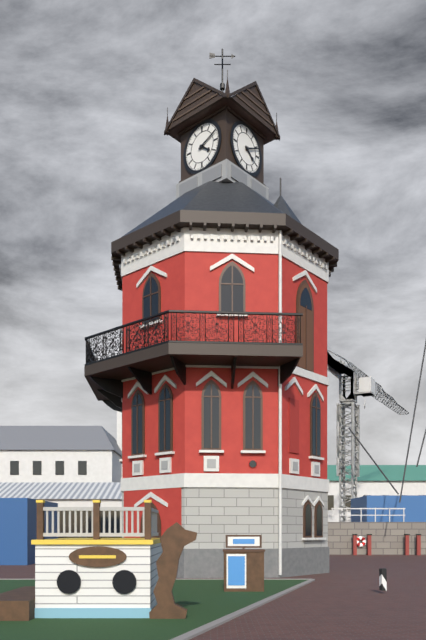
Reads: 4 h 11 min
